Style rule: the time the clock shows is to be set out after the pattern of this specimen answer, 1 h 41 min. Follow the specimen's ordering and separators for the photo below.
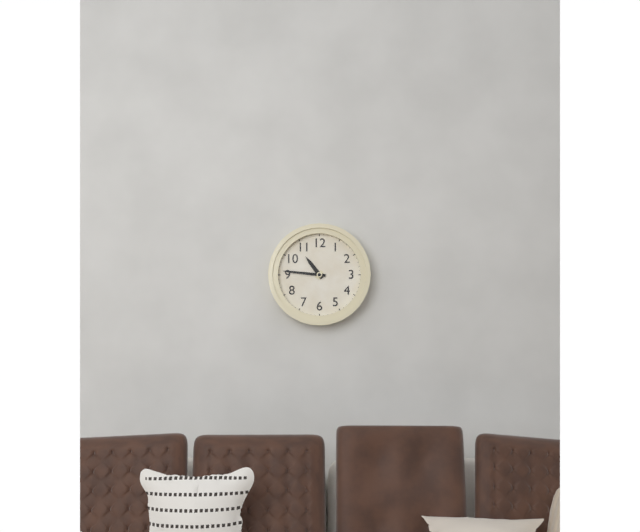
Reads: 10 h 46 min
